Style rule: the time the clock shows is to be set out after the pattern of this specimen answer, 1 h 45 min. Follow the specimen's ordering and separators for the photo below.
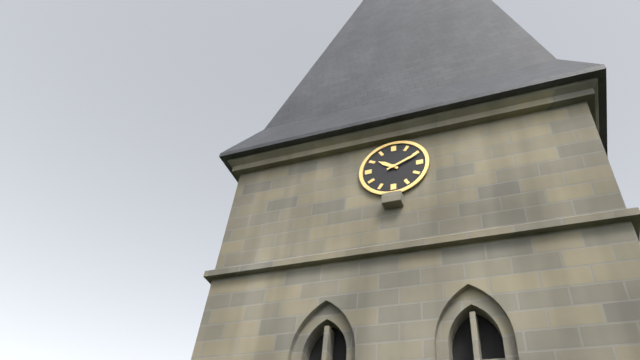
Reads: 10 h 11 min
